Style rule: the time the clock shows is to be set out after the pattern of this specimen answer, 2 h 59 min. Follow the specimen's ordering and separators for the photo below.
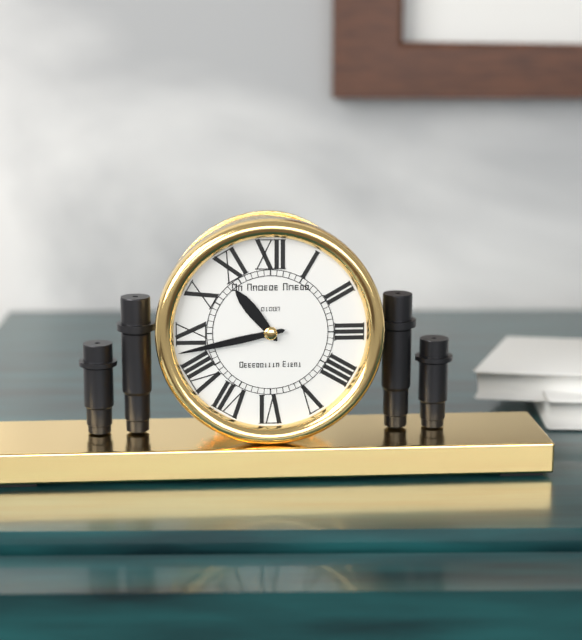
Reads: 10 h 43 min
